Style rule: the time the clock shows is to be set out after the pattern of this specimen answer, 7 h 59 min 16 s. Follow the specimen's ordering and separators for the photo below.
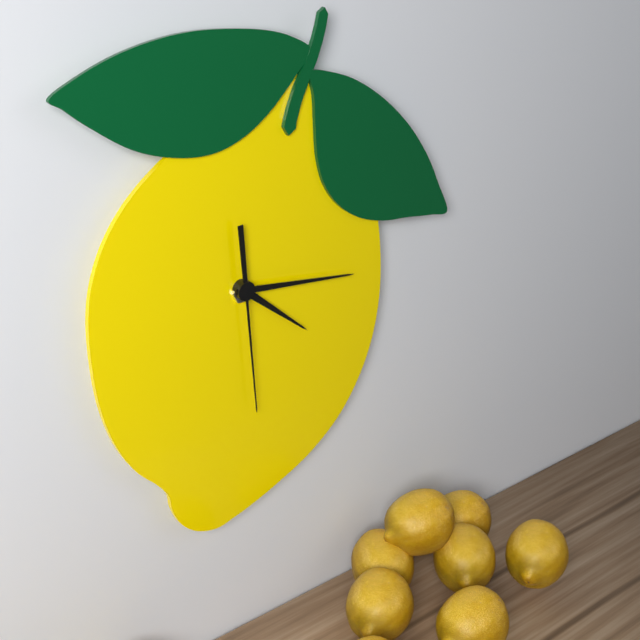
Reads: 4 h 16 min 29 s
